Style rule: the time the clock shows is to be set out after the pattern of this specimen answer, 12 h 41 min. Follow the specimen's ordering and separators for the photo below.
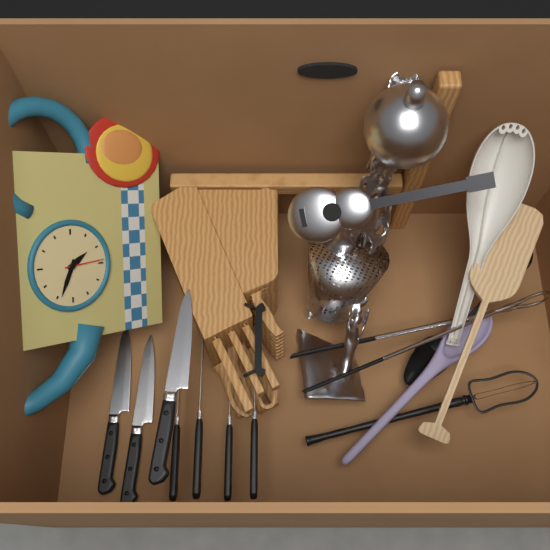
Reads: 4 h 49 min
